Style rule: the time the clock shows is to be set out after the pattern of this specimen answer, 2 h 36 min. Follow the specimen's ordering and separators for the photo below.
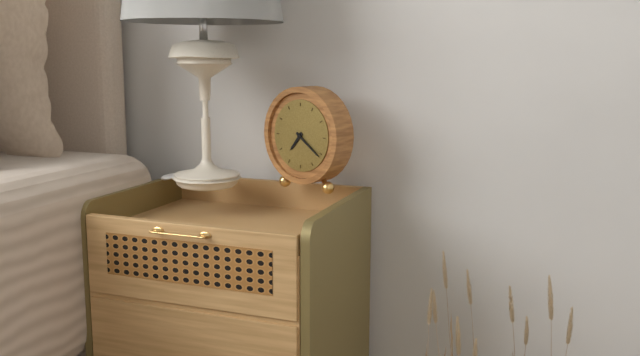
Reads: 7 h 21 min
